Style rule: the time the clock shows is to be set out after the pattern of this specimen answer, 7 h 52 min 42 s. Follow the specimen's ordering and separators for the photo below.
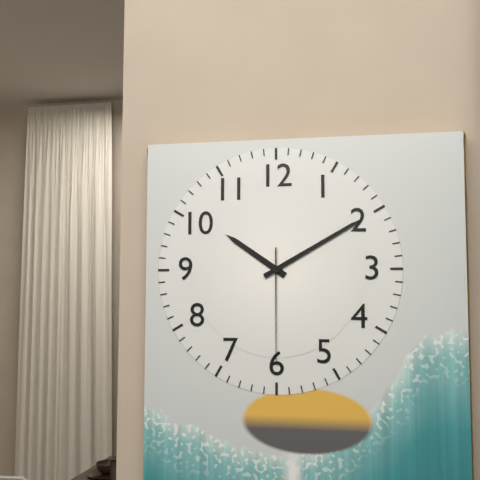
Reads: 10 h 10 min 30 s
